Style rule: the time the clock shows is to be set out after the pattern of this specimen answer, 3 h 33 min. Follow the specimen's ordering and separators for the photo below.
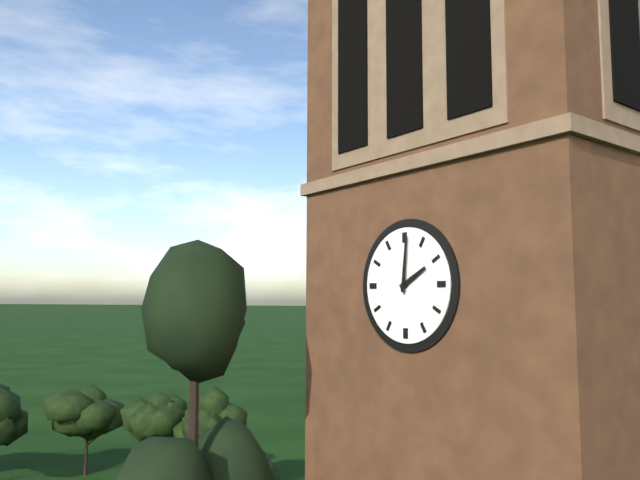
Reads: 2 h 01 min
